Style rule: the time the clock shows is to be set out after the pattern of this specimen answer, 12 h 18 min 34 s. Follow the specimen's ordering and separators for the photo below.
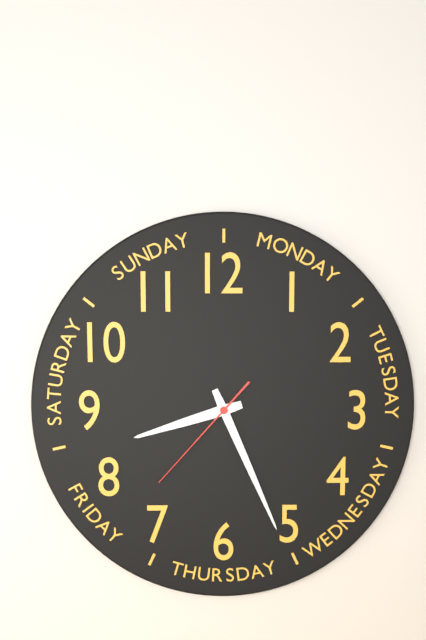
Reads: 8 h 26 min 37 s
